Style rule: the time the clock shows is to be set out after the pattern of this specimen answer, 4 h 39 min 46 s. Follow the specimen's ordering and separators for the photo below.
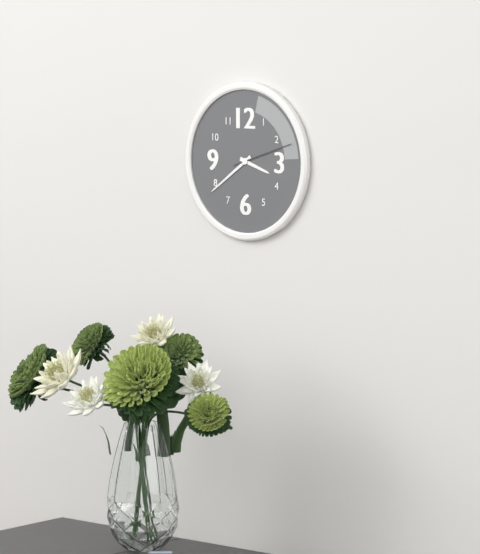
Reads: 3 h 39 min 12 s
